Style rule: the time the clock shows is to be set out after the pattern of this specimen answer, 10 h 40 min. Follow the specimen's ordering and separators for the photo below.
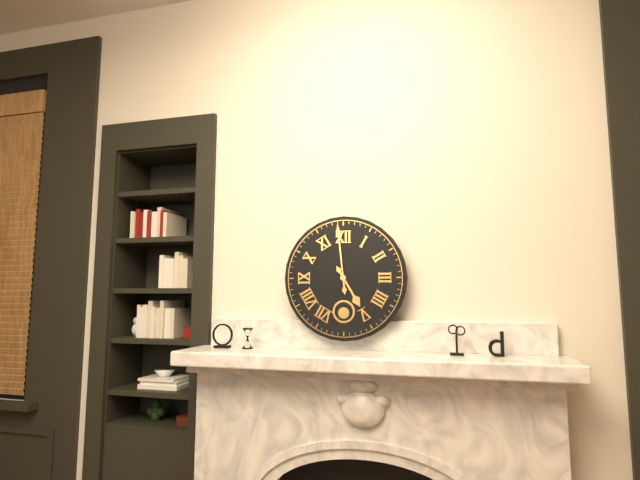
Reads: 4 h 59 min
